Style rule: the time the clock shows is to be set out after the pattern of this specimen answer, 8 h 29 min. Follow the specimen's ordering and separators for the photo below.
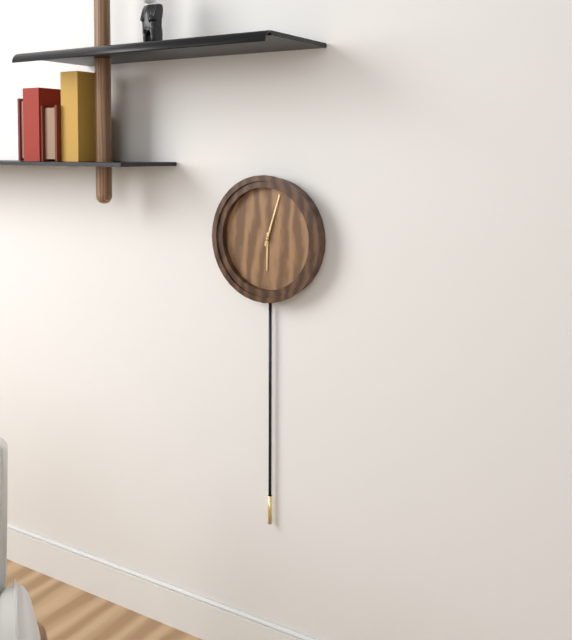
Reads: 6 h 03 min
